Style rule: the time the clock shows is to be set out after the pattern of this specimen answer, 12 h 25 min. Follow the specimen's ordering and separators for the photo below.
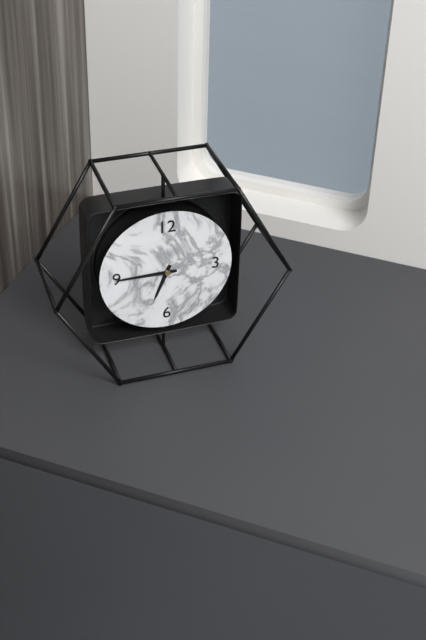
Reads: 6 h 45 min
